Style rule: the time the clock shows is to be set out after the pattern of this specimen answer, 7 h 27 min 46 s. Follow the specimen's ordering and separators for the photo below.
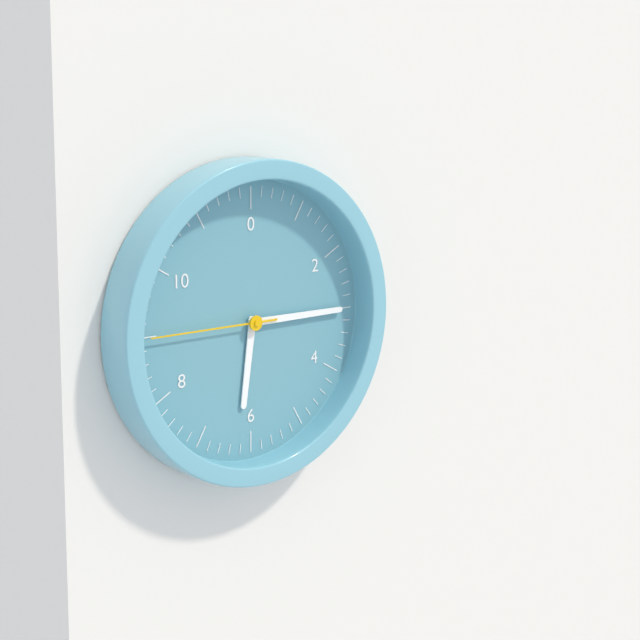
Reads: 6 h 15 min 45 s
